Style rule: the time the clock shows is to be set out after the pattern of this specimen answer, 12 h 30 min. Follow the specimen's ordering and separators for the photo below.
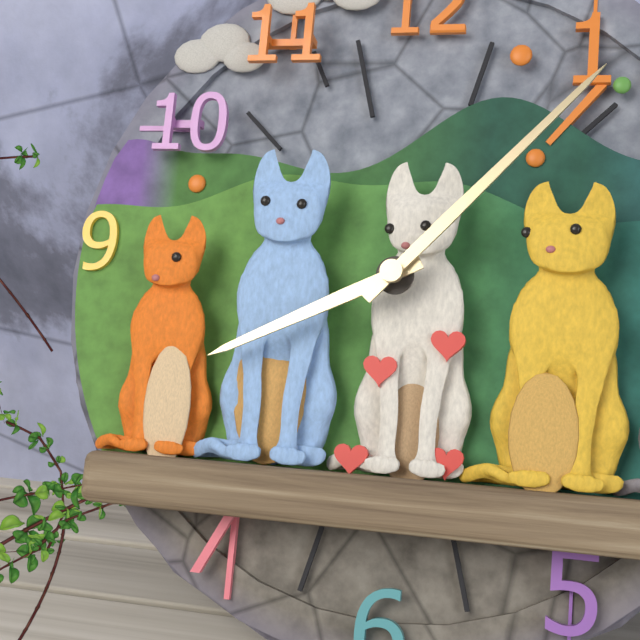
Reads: 8 h 07 min
